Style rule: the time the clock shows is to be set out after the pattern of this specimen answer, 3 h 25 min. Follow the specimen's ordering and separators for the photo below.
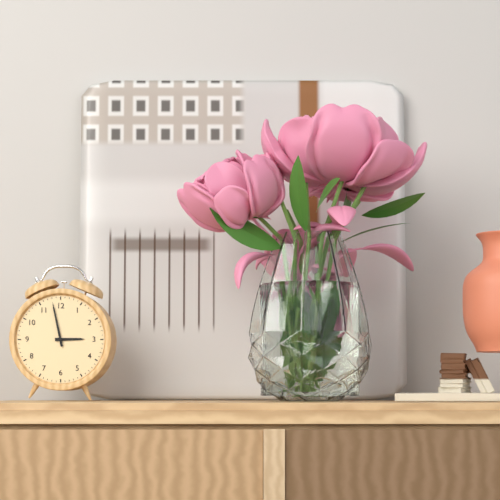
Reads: 2 h 58 min
